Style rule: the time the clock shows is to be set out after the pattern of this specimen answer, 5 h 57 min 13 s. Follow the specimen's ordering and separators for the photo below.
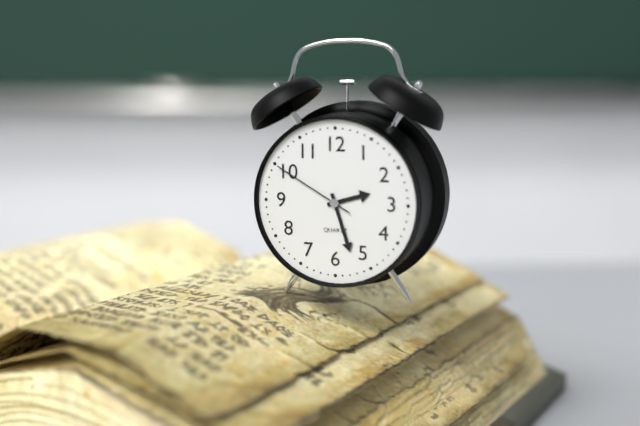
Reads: 2 h 27 min 50 s
